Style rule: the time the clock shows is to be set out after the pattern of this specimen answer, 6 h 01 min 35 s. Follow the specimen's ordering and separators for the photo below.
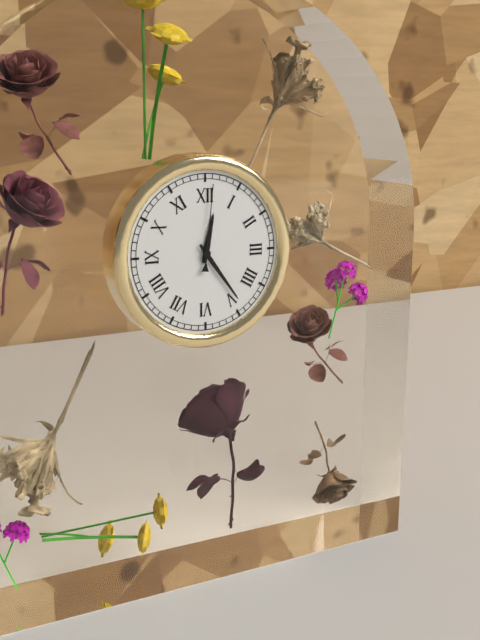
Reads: 12 h 24 min 01 s
